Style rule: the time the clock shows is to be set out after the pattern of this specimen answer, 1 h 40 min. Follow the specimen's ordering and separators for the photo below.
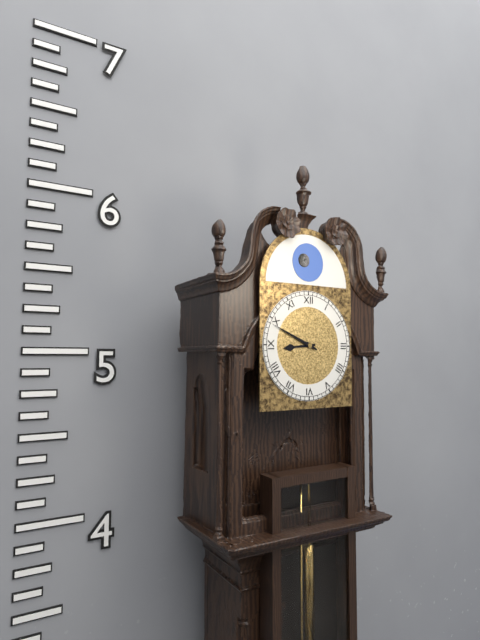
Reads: 8 h 49 min
